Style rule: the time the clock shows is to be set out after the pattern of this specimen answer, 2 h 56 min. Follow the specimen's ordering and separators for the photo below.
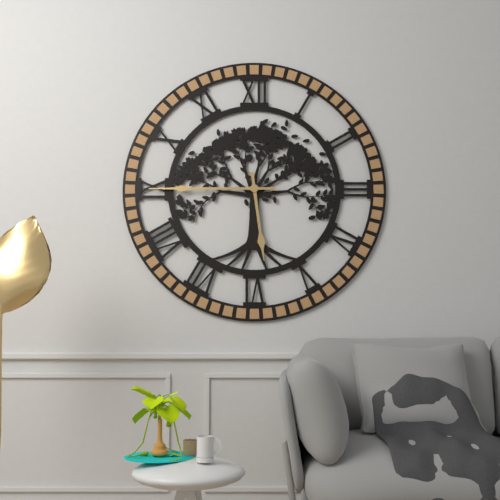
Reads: 5 h 45 min
